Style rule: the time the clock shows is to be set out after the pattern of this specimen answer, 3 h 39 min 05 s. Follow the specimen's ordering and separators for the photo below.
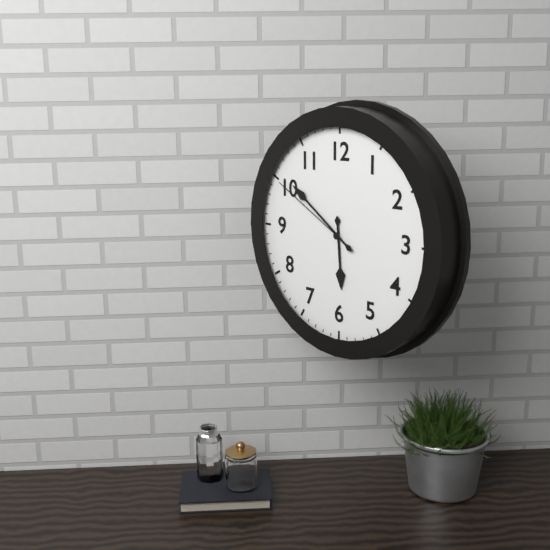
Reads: 5 h 51 min 50 s
